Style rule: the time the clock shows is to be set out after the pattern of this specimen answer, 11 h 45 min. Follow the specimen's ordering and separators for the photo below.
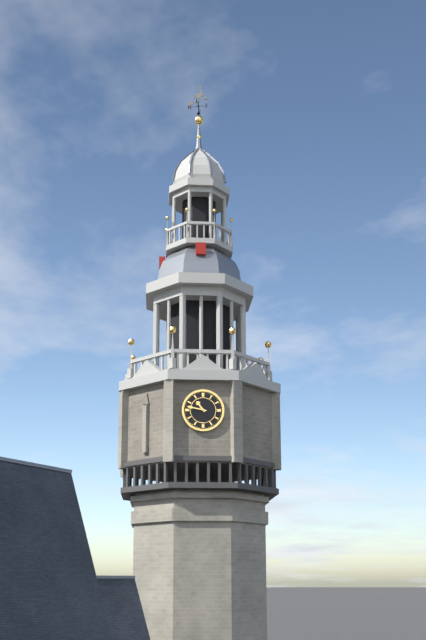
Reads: 10 h 47 min
